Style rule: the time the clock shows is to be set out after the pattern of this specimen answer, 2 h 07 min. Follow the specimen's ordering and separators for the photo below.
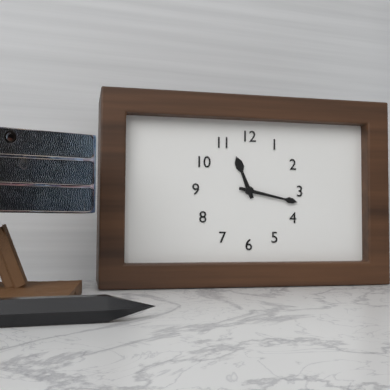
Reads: 11 h 17 min
